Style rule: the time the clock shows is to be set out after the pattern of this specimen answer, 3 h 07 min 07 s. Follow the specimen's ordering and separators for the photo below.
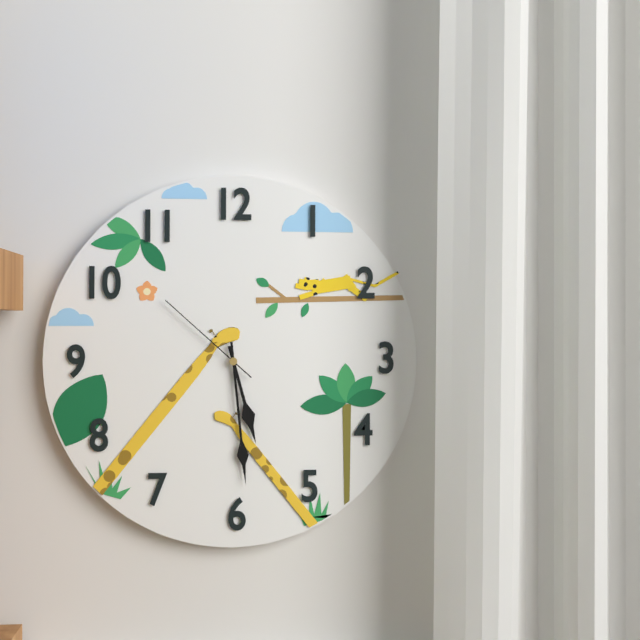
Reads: 5 h 29 min 52 s
